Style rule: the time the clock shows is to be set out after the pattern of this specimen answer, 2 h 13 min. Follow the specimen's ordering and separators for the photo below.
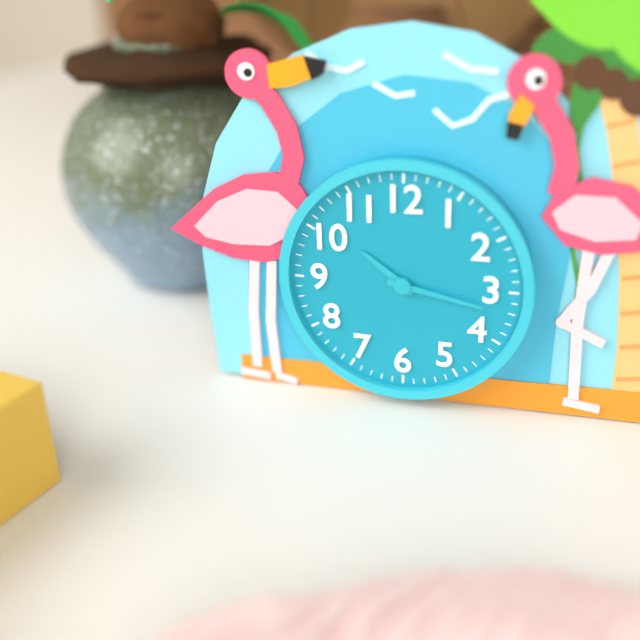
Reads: 10 h 17 min
